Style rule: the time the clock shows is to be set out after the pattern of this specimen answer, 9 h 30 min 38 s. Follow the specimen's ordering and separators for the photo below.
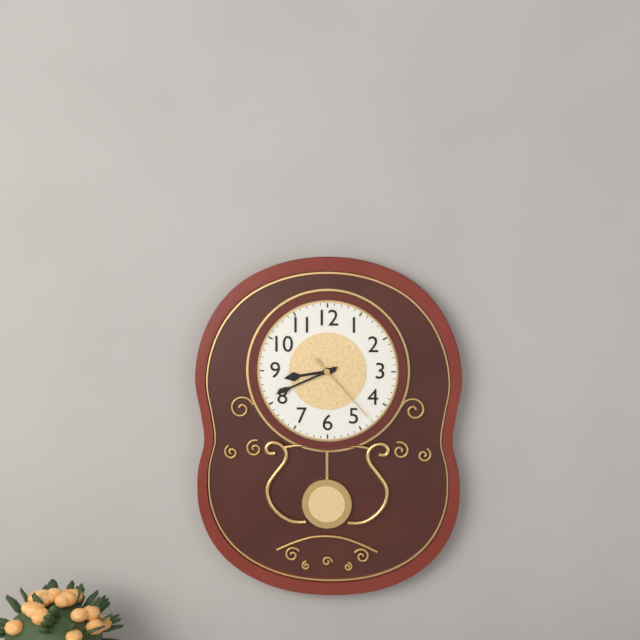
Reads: 8 h 41 min 23 s
